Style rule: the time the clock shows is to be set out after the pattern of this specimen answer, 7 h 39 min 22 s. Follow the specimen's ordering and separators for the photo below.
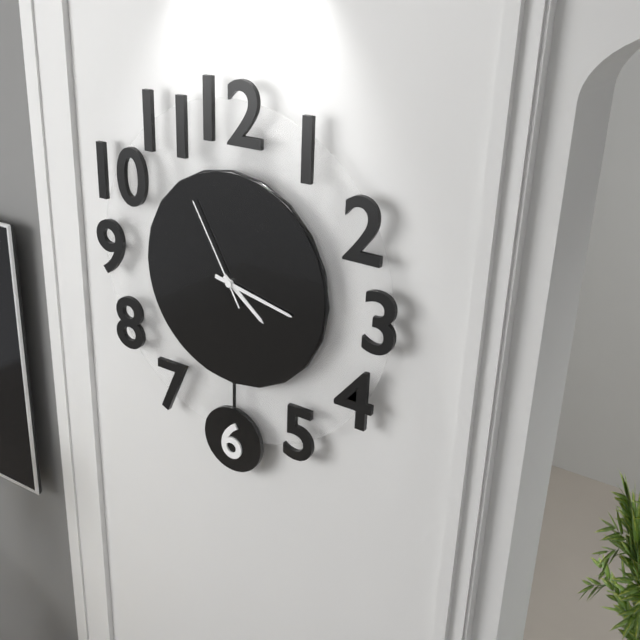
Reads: 4 h 17 min 55 s
